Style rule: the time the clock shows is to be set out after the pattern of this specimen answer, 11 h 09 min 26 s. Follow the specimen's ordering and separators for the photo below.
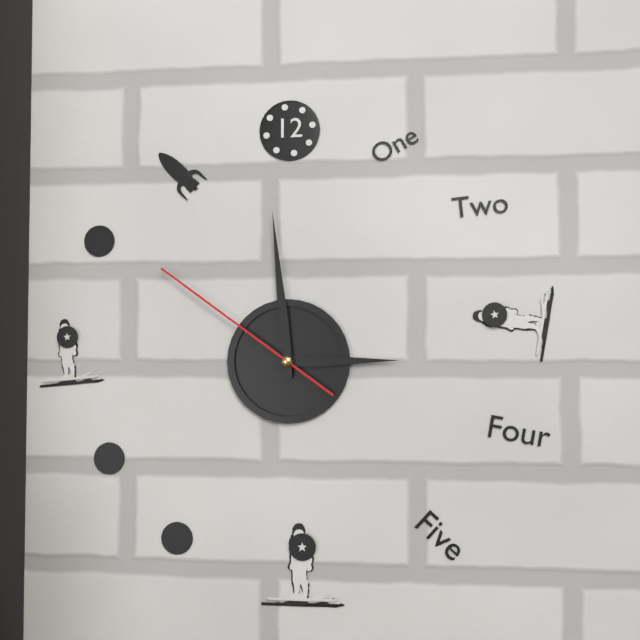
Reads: 2 h 59 min 51 s
